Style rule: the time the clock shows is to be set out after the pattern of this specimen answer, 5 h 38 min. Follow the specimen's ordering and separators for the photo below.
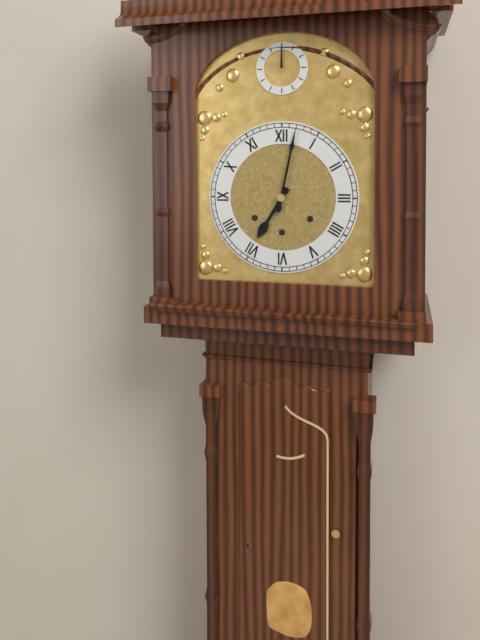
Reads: 7 h 02 min
